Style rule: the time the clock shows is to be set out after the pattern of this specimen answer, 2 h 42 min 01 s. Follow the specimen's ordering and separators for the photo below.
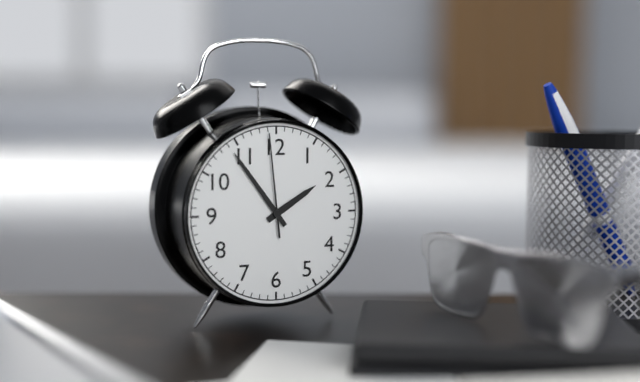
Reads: 1 h 54 min 59 s
